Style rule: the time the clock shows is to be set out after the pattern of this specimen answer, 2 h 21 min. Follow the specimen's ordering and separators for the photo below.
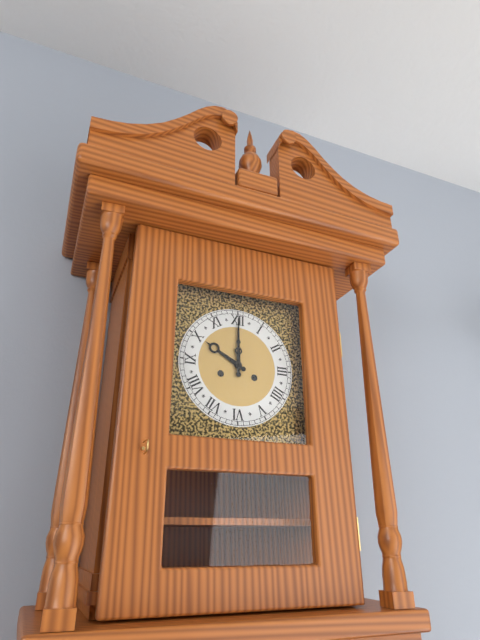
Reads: 10 h 00 min
